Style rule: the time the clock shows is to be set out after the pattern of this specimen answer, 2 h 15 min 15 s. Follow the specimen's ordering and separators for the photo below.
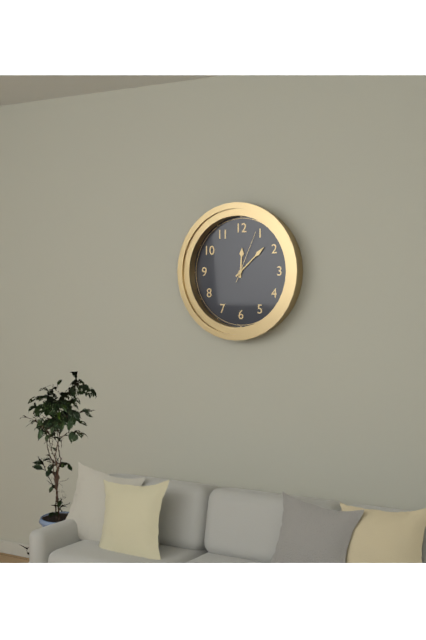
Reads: 12 h 08 min 04 s
